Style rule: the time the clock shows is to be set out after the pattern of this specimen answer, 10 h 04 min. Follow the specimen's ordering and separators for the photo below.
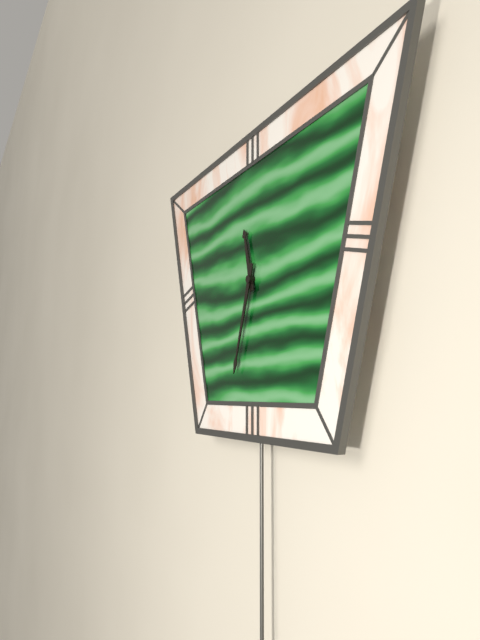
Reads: 11 h 33 min
